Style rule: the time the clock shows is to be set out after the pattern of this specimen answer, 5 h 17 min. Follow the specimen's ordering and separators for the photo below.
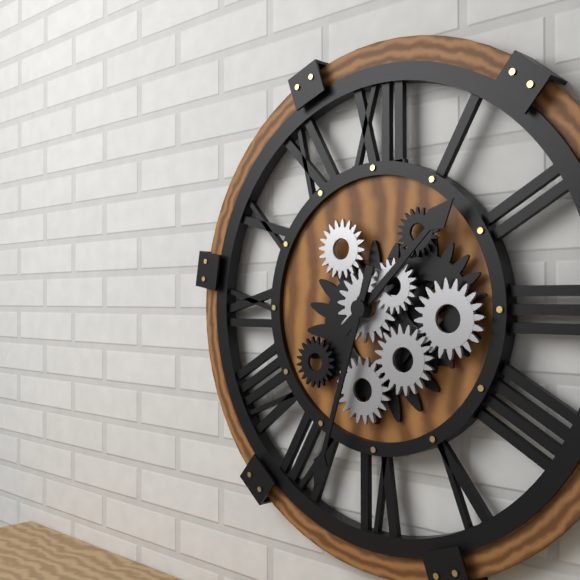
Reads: 1 h 33 min
